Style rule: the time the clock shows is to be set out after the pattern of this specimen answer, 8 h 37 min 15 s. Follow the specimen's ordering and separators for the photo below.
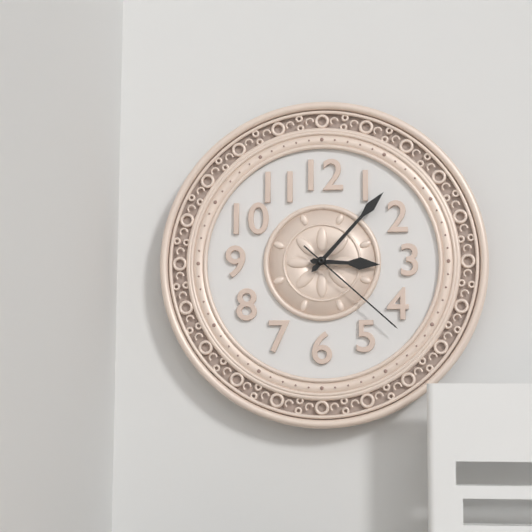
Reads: 3 h 07 min 22 s
